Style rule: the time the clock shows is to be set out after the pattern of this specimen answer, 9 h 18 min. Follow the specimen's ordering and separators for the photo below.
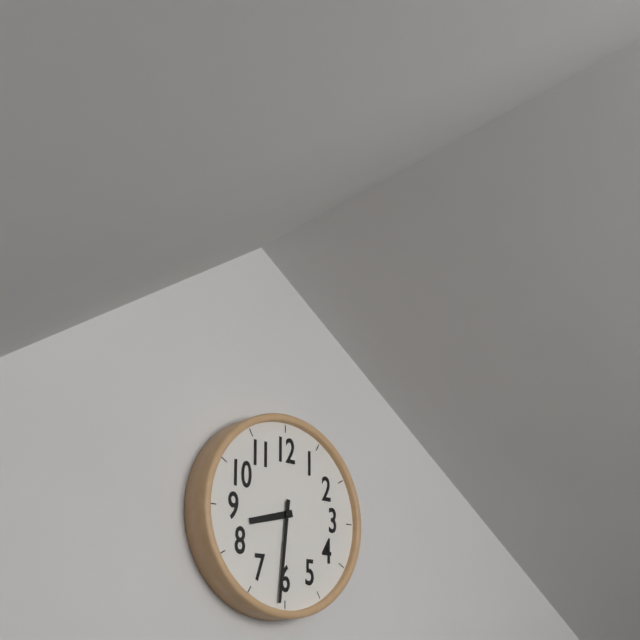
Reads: 8 h 31 min
